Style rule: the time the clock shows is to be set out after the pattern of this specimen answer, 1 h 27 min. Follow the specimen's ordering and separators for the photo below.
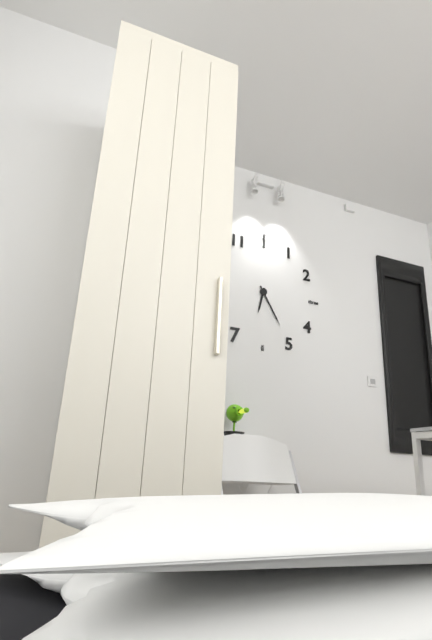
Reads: 6 h 25 min
